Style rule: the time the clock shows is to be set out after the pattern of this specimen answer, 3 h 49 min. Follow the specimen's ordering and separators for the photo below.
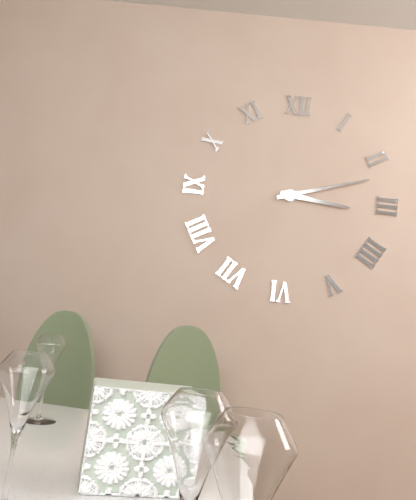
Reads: 3 h 12 min
